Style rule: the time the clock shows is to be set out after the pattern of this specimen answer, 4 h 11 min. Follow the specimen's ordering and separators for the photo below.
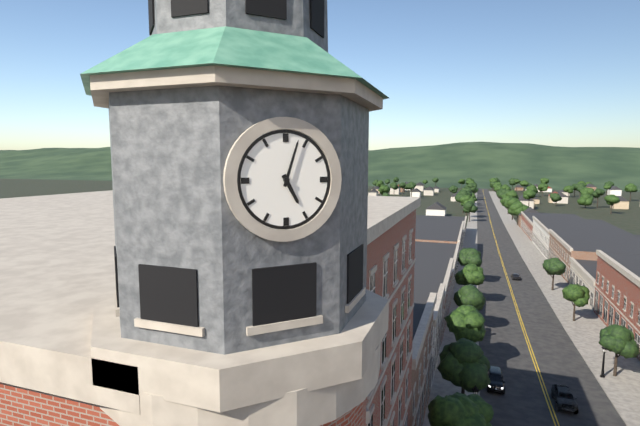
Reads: 5 h 03 min
